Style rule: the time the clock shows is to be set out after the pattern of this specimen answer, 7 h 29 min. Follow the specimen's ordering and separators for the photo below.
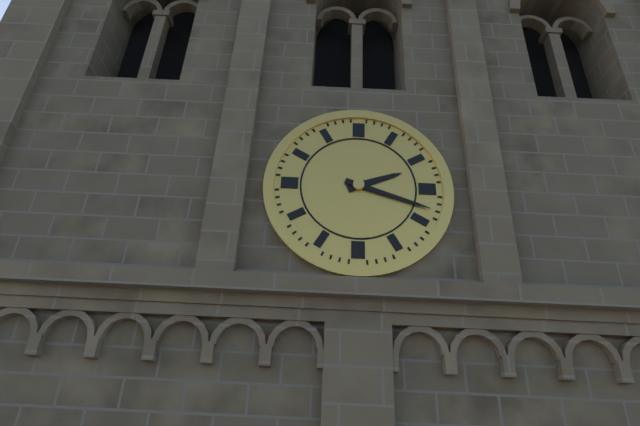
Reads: 2 h 18 min
